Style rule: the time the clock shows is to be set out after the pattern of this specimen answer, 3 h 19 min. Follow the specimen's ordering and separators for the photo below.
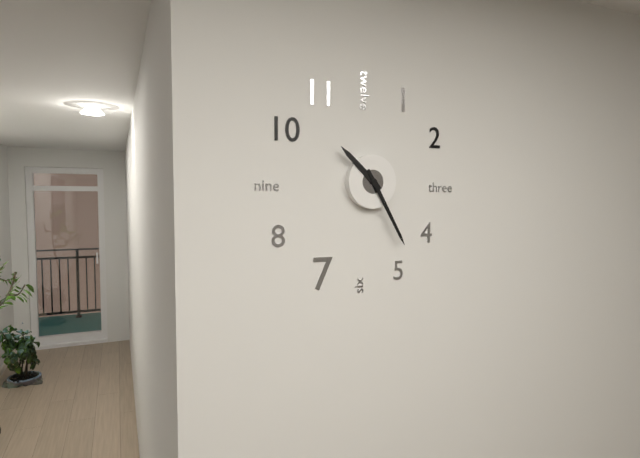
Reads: 10 h 25 min
